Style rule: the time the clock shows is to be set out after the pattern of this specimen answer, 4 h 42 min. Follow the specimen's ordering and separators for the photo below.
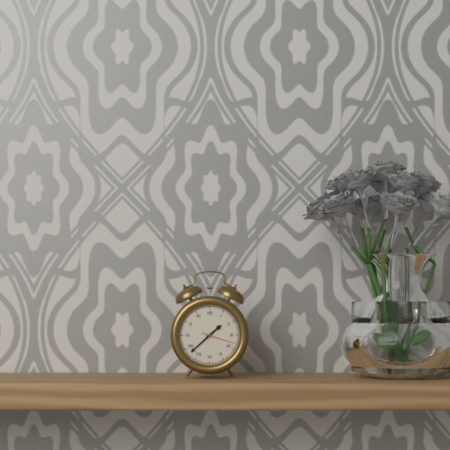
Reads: 1 h 38 min
